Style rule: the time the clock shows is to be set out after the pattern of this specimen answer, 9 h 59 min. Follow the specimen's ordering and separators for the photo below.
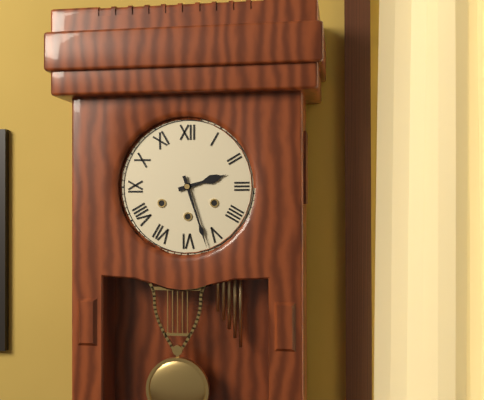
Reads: 2 h 27 min
